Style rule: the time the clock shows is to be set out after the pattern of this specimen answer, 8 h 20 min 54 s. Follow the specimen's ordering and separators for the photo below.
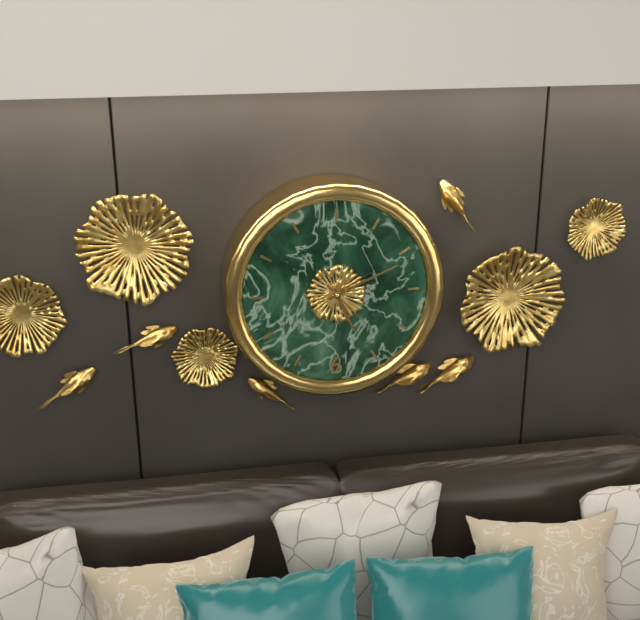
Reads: 5 h 11 min 23 s
